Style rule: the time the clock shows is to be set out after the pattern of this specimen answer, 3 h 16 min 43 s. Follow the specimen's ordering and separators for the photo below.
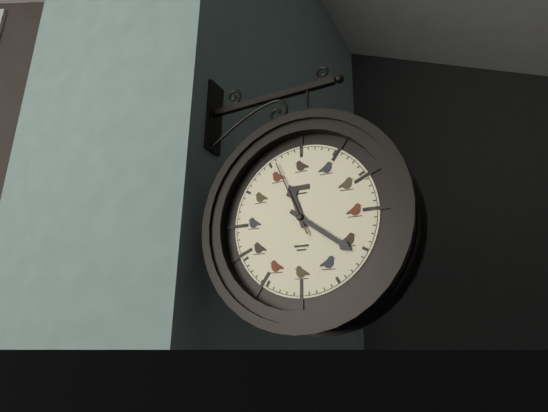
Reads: 11 h 21 min 56 s
